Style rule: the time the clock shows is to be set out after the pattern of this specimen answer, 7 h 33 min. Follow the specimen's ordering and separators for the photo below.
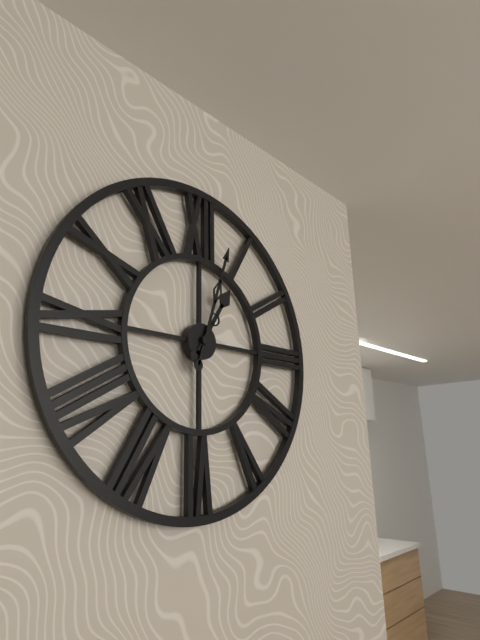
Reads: 1 h 03 min
